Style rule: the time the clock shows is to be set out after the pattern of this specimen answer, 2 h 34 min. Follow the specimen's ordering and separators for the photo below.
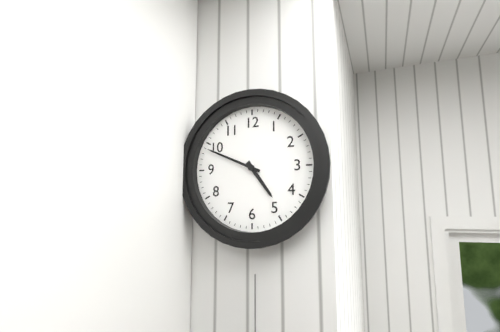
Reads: 4 h 49 min
